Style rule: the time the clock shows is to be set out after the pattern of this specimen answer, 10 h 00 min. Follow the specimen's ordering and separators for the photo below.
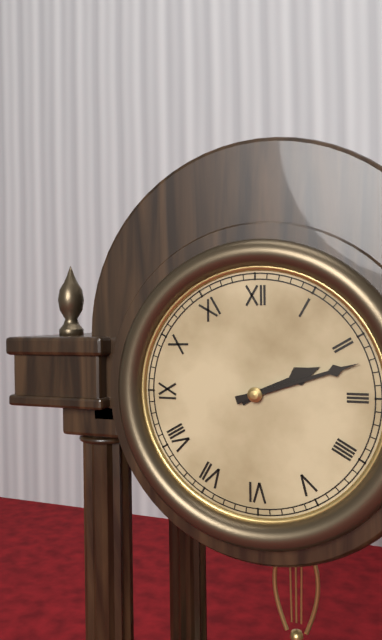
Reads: 2 h 12 min
